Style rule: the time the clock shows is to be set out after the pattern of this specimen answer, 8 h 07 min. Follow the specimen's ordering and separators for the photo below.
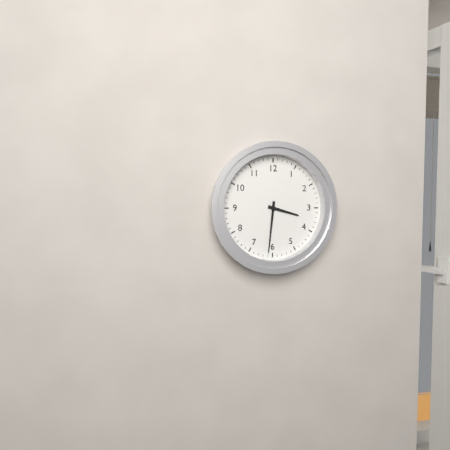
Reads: 3 h 31 min
